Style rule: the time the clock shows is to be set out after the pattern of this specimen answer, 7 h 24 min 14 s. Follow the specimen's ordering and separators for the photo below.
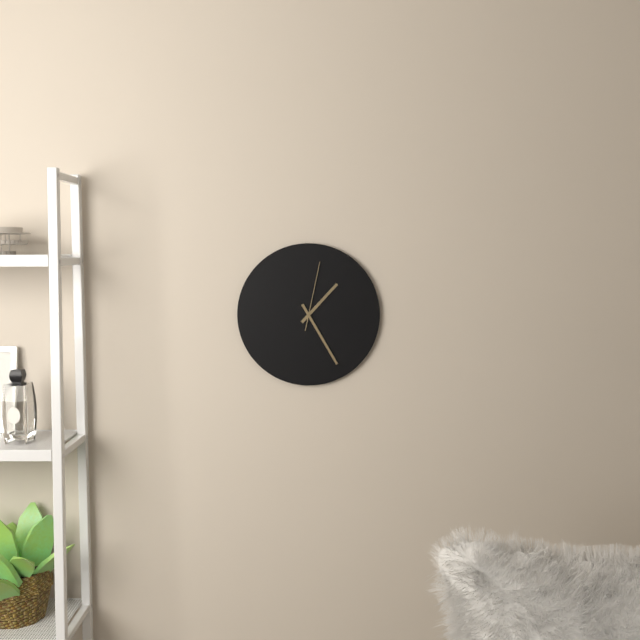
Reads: 1 h 25 min 02 s
